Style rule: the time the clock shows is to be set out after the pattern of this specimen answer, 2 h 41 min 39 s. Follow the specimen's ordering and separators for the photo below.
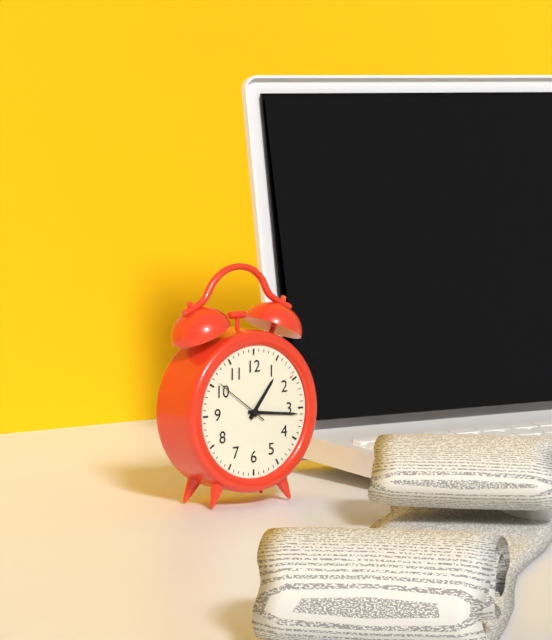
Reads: 1 h 16 min 51 s
